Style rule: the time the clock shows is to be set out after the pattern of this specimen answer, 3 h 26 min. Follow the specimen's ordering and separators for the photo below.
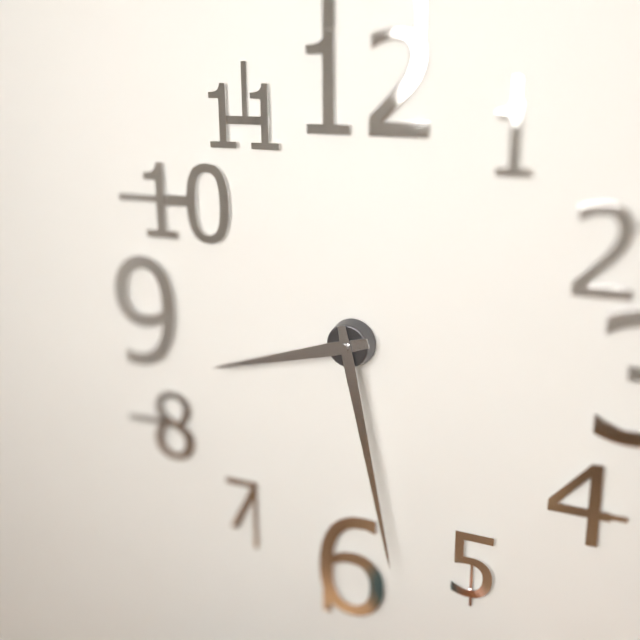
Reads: 8 h 28 min
